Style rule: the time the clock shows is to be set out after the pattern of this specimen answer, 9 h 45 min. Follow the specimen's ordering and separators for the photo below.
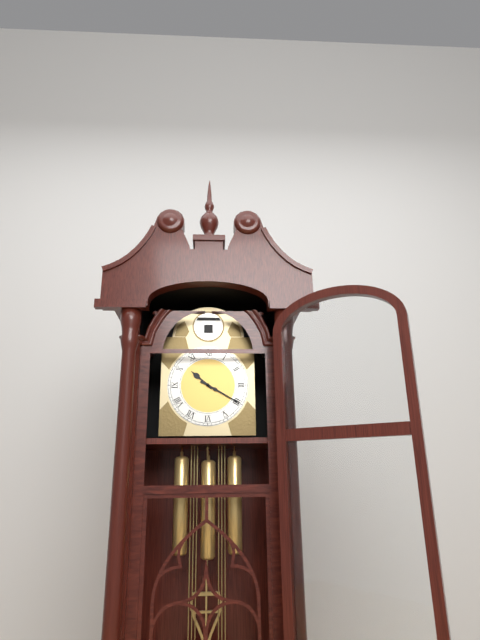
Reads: 10 h 20 min
